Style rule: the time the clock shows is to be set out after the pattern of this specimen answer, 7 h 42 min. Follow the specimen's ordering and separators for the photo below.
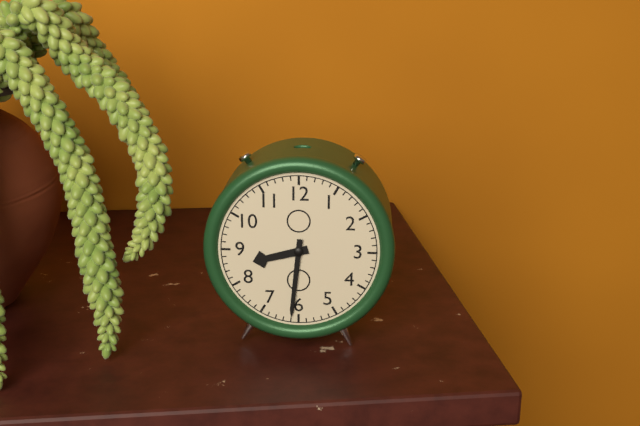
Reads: 8 h 31 min
